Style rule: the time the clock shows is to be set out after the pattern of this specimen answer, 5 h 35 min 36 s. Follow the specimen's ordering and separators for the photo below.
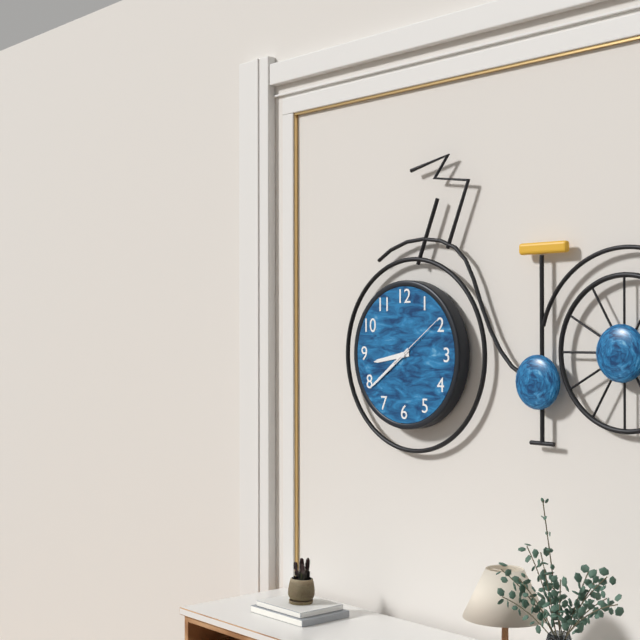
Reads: 8 h 39 min 09 s
